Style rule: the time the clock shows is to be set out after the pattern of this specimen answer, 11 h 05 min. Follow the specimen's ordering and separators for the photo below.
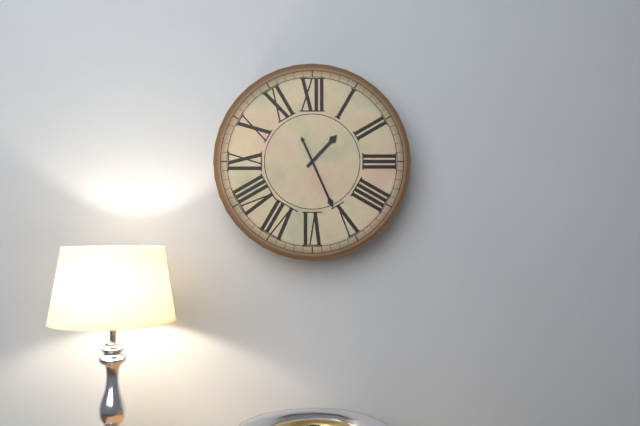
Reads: 1 h 26 min
